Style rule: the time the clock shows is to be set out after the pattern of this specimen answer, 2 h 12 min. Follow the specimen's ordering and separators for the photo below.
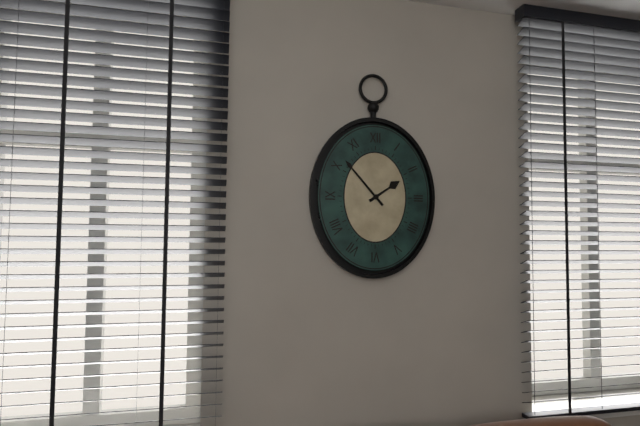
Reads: 1 h 53 min
